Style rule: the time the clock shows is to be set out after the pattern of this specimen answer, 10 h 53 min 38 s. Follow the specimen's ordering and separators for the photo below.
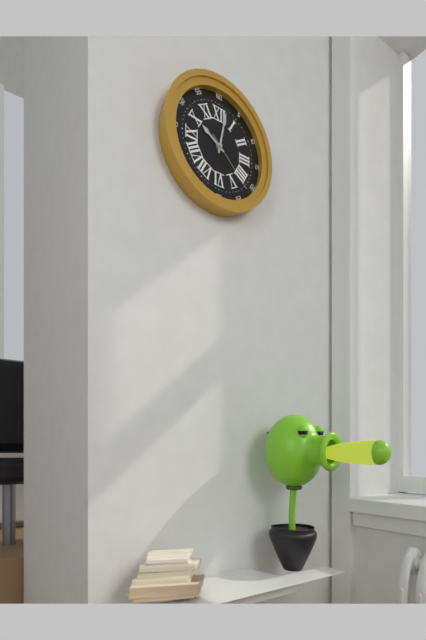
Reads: 10 h 02 min 22 s
